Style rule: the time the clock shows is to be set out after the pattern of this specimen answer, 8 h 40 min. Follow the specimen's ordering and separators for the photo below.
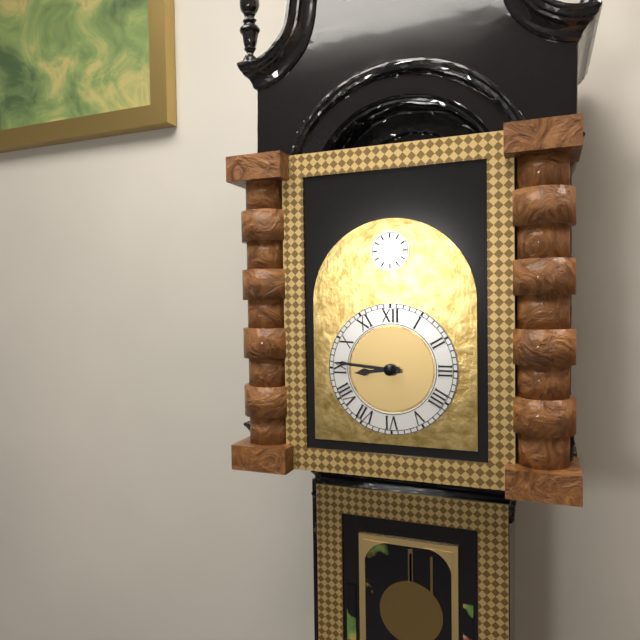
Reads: 8 h 46 min
